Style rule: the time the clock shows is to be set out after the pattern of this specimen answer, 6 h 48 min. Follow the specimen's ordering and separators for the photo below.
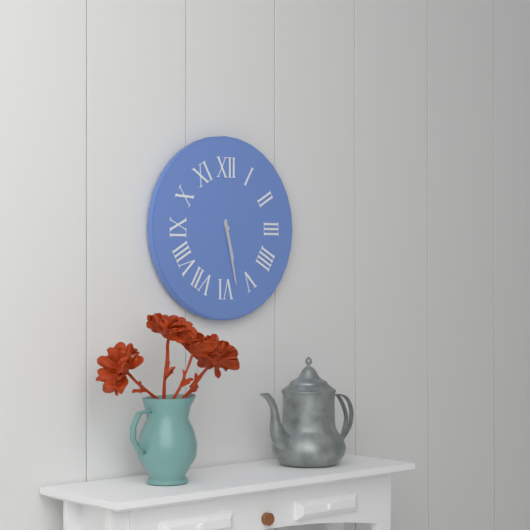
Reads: 5 h 28 min
